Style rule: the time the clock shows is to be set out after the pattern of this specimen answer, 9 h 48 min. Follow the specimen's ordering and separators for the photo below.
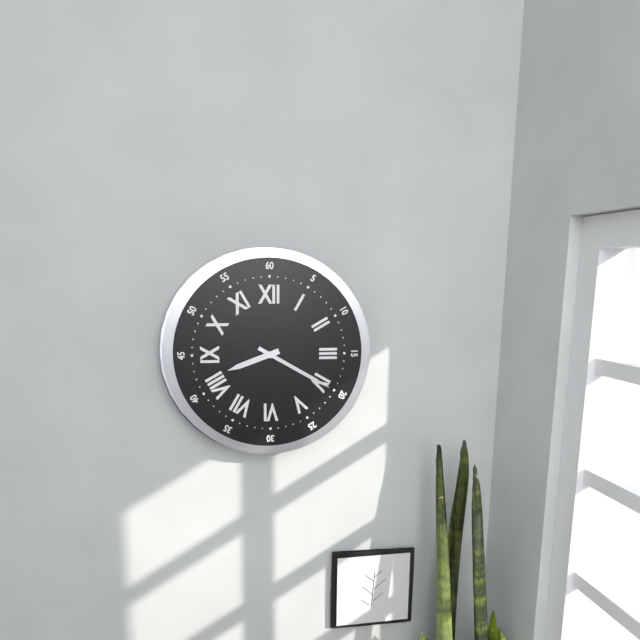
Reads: 8 h 20 min
